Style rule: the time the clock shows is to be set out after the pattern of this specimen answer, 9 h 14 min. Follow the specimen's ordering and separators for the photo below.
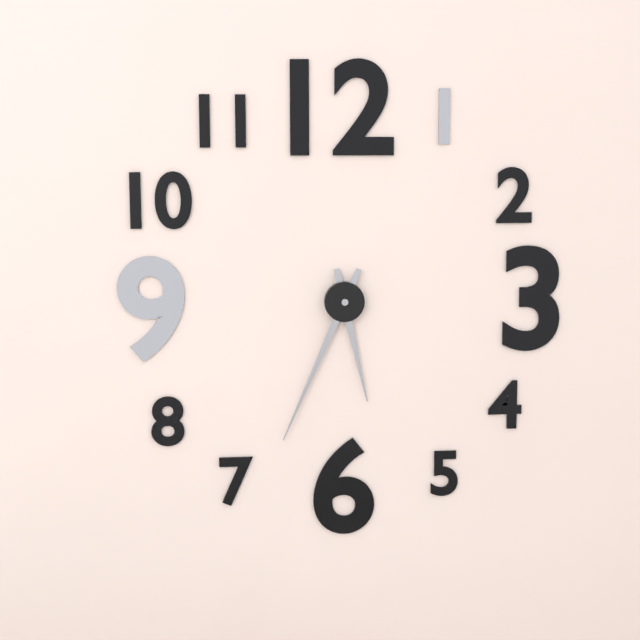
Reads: 5 h 34 min
